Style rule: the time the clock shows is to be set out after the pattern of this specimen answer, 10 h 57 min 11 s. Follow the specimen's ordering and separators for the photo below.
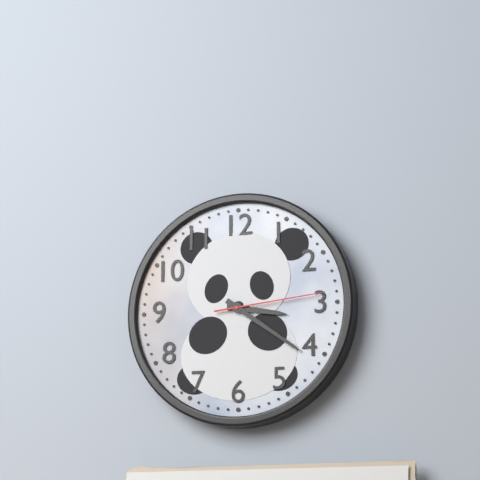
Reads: 3 h 21 min 14 s
